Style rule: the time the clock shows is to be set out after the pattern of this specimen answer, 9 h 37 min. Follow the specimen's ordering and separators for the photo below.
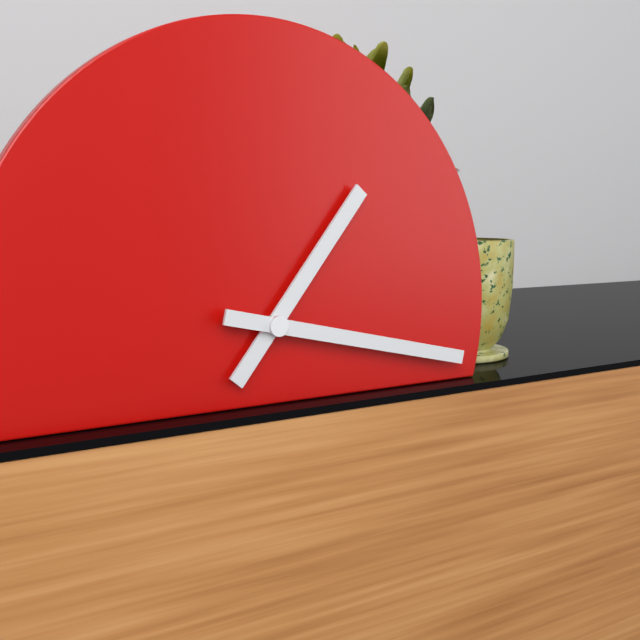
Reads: 1 h 17 min
